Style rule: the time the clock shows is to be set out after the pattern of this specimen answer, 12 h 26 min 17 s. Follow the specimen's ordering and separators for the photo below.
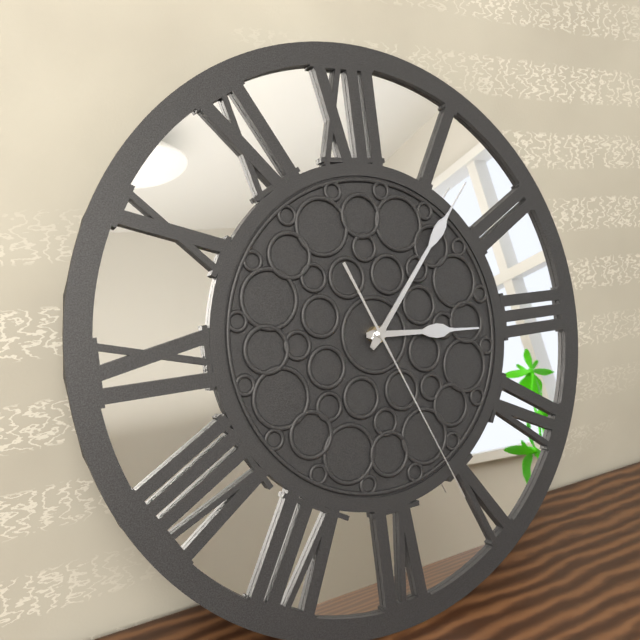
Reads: 3 h 07 min 26 s
